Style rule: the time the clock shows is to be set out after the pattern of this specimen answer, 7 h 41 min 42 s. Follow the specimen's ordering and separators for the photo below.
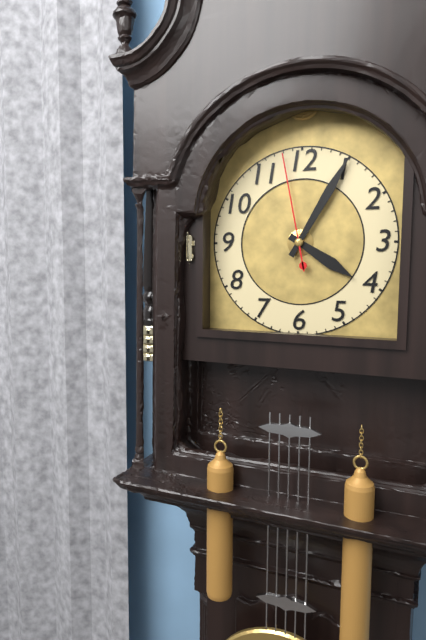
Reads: 4 h 05 min 58 s
